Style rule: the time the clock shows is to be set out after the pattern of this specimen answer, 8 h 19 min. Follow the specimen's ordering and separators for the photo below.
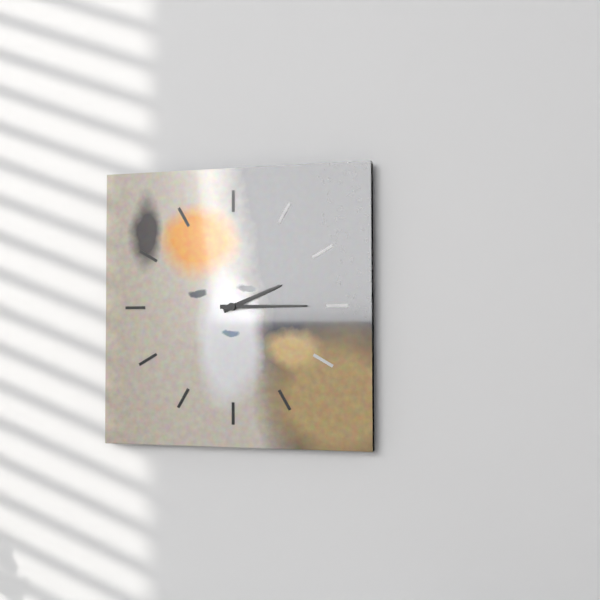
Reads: 2 h 15 min
